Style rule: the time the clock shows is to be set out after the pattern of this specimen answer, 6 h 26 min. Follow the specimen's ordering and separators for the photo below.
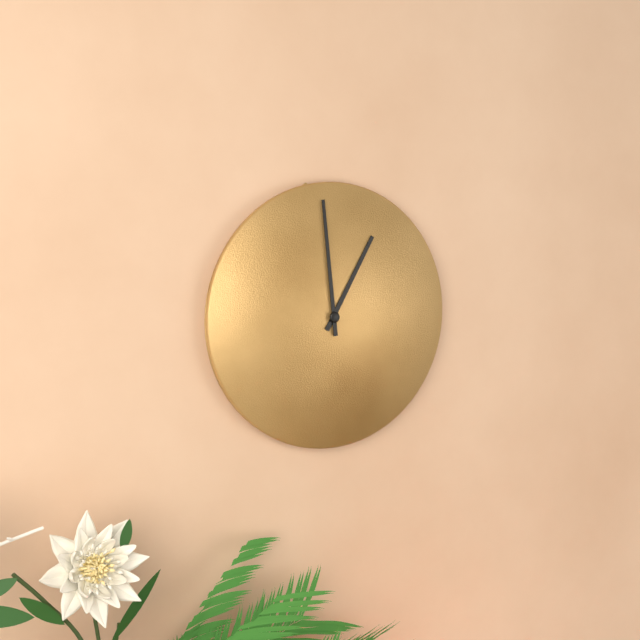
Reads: 12 h 59 min
